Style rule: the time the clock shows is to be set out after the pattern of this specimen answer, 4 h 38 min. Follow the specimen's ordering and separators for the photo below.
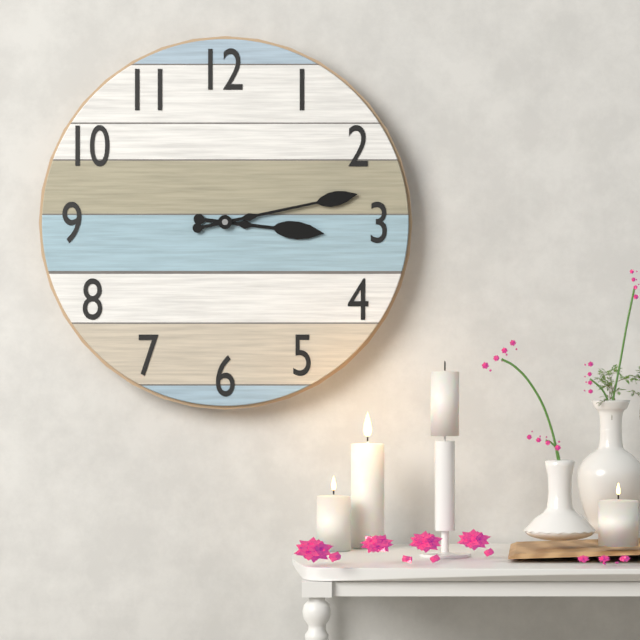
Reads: 3 h 13 min
